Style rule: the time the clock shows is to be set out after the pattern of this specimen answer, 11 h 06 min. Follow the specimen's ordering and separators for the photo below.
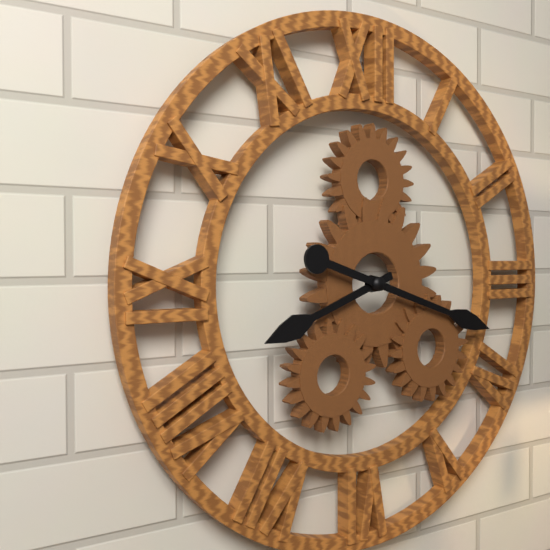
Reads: 8 h 18 min
